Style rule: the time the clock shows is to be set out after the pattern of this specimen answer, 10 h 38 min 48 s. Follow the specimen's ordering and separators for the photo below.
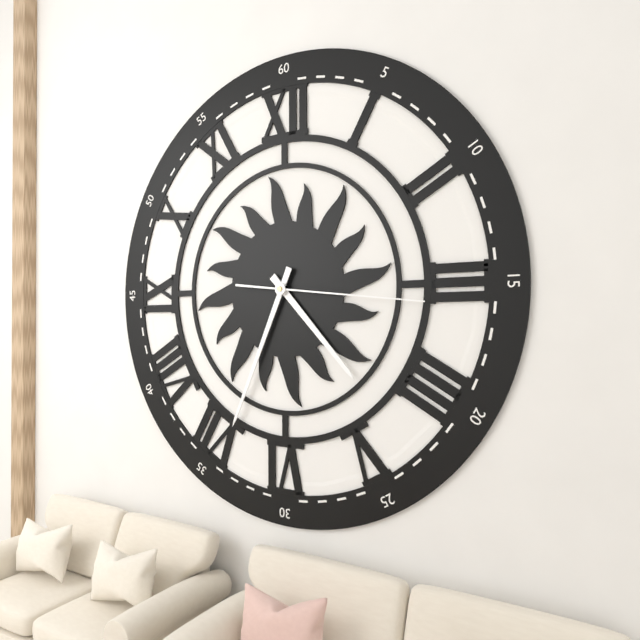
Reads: 4 h 34 min 16 s
